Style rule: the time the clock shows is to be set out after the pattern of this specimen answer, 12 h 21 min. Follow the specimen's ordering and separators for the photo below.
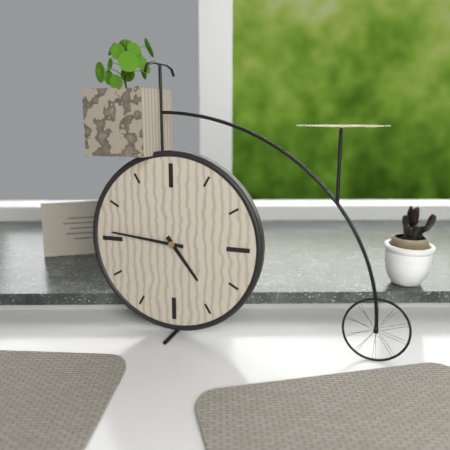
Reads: 4 h 46 min
